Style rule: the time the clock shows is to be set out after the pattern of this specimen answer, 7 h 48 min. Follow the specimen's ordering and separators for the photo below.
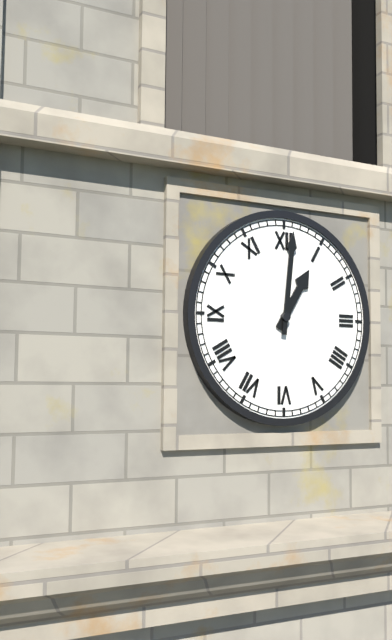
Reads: 1 h 01 min
